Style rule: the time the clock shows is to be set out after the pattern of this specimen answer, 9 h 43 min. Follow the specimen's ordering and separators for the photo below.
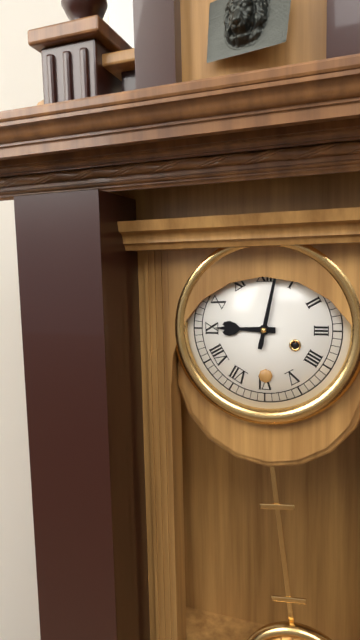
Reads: 9 h 02 min
